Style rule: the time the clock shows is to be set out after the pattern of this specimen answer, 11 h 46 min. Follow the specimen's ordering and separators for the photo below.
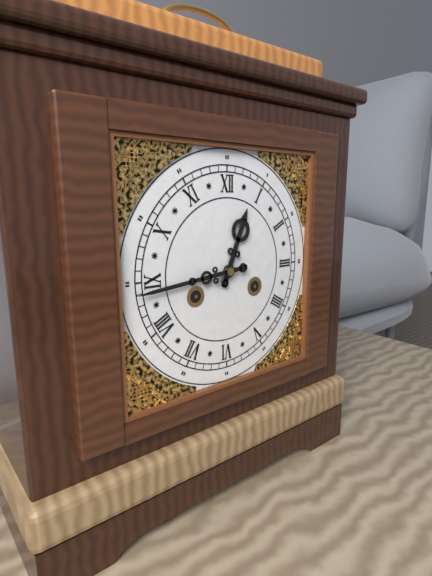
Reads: 12 h 44 min
